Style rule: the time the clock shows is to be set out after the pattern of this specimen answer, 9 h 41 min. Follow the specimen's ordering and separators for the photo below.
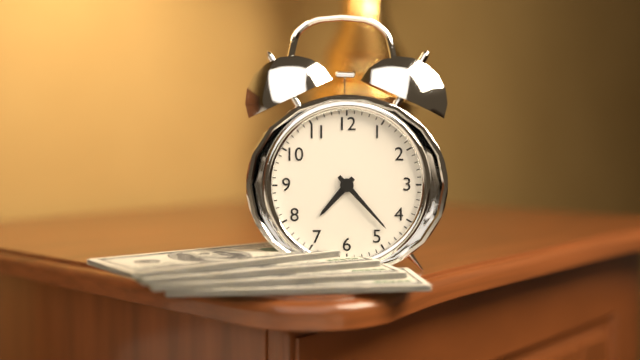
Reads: 7 h 23 min
